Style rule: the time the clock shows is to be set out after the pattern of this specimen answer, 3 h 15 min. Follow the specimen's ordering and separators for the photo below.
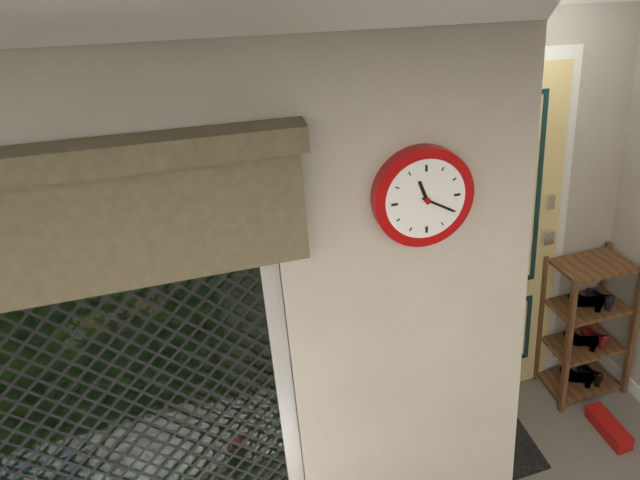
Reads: 11 h 20 min
